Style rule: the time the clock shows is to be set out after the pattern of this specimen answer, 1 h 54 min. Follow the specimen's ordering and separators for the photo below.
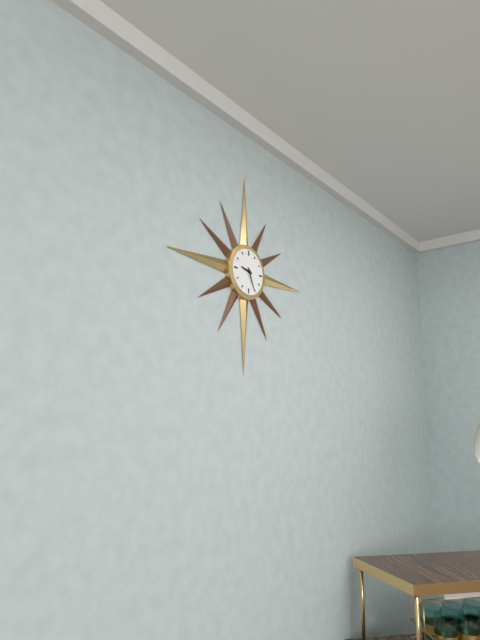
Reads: 9 h 26 min
